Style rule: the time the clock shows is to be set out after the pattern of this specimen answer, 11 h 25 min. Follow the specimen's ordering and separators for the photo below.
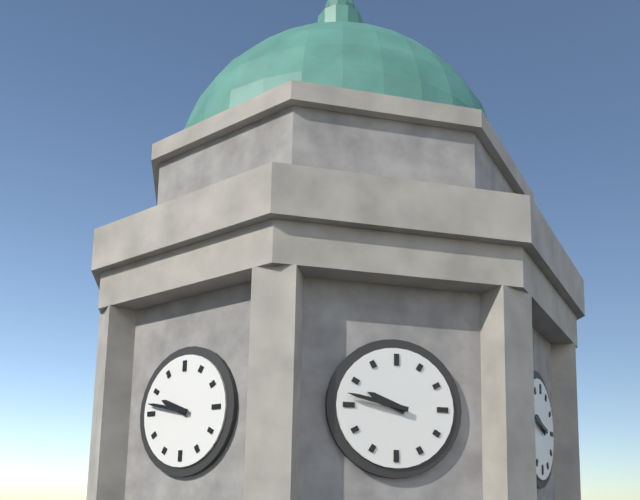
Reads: 9 h 47 min
